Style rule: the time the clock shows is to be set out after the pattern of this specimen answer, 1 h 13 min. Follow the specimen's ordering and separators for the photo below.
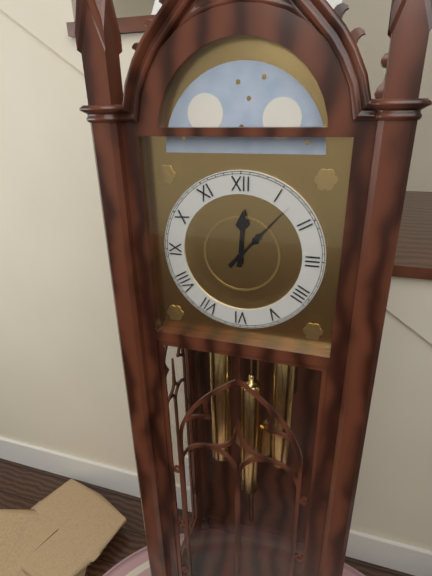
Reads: 12 h 07 min
